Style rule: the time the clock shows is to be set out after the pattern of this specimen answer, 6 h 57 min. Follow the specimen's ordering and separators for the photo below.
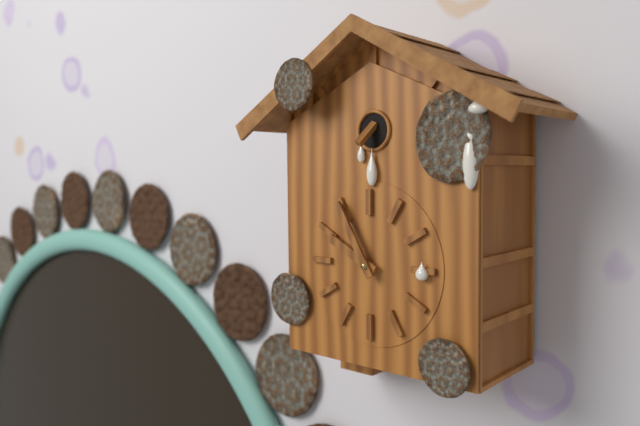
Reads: 9 h 55 min
